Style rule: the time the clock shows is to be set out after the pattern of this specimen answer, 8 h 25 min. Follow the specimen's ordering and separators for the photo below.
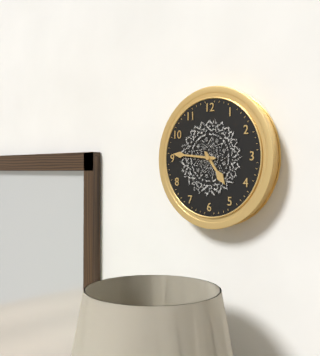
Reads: 4 h 46 min
